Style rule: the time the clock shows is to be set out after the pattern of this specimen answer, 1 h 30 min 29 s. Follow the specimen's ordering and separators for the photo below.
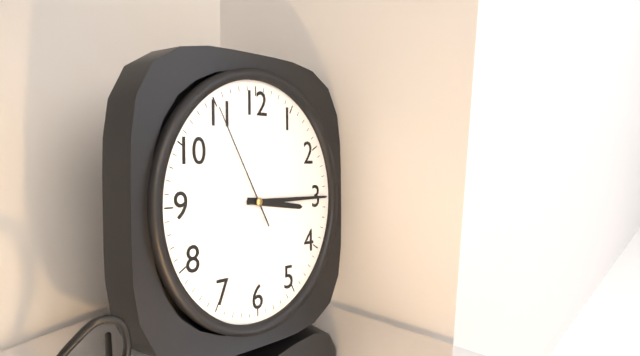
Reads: 3 h 15 min 55 s
